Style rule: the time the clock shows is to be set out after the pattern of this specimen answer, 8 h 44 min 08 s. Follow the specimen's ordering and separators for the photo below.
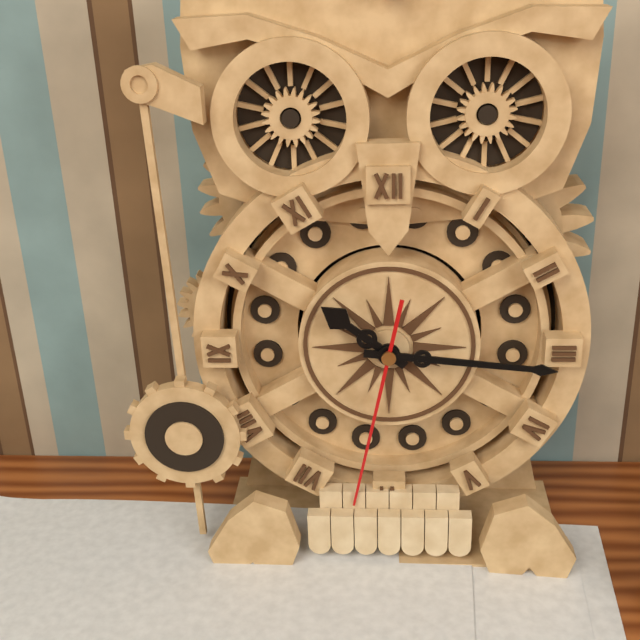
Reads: 10 h 16 min 32 s
